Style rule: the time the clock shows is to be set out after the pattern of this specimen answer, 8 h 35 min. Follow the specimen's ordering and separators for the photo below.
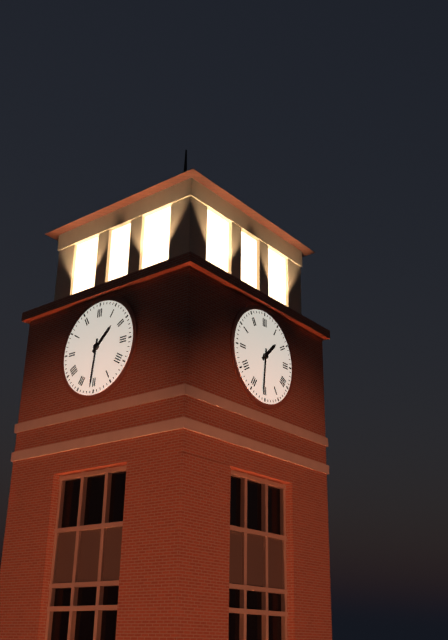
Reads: 1 h 31 min
